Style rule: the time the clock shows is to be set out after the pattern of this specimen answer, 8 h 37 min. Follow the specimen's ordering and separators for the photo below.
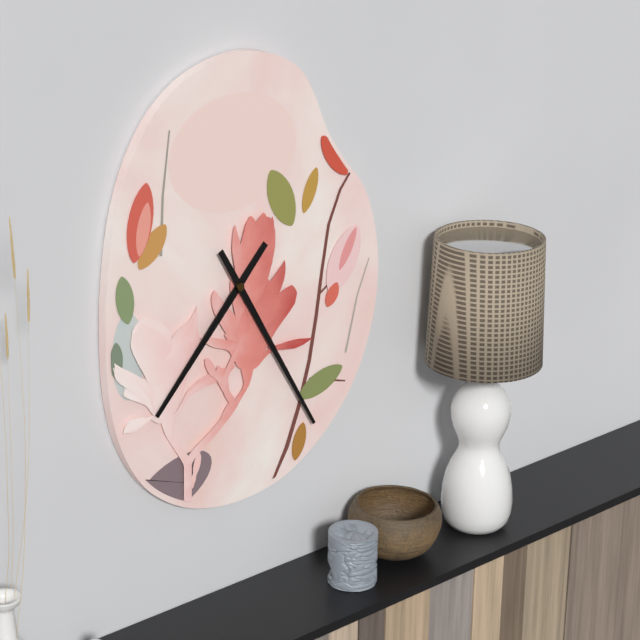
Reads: 7 h 25 min
